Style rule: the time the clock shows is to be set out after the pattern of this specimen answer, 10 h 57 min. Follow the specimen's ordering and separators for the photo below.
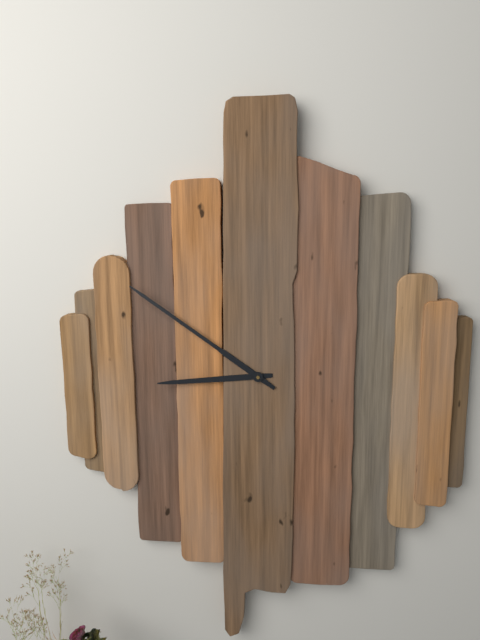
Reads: 8 h 51 min
